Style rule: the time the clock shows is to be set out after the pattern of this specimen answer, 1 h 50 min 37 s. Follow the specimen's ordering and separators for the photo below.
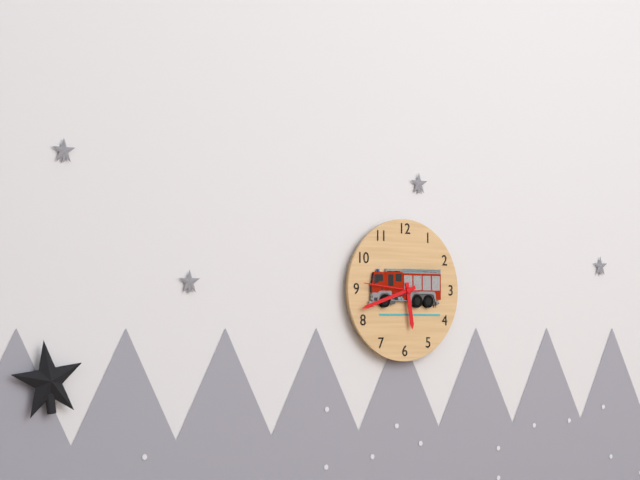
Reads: 5 h 42 min 46 s
